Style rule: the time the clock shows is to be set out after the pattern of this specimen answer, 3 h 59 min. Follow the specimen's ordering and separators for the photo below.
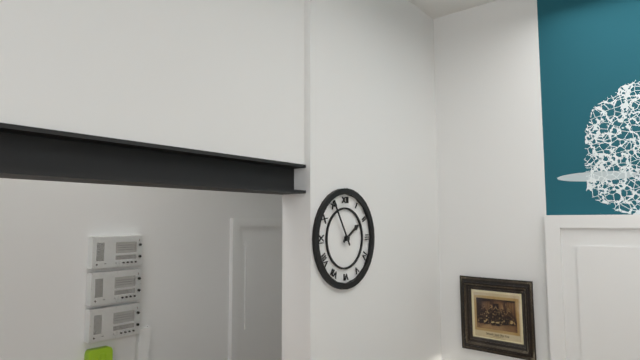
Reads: 1 h 55 min
